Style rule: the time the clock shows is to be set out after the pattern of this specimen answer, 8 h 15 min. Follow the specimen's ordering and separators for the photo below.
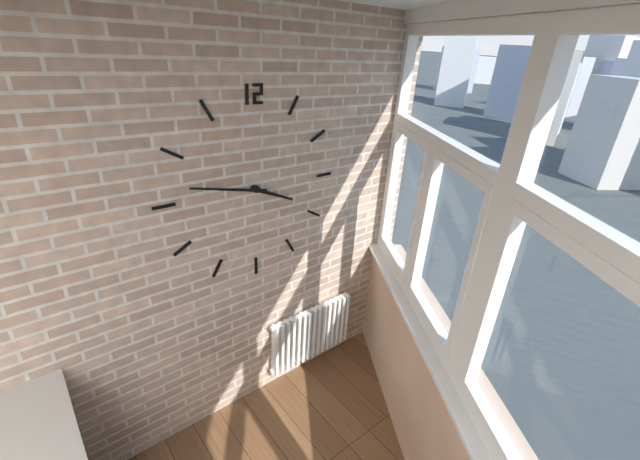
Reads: 3 h 47 min
